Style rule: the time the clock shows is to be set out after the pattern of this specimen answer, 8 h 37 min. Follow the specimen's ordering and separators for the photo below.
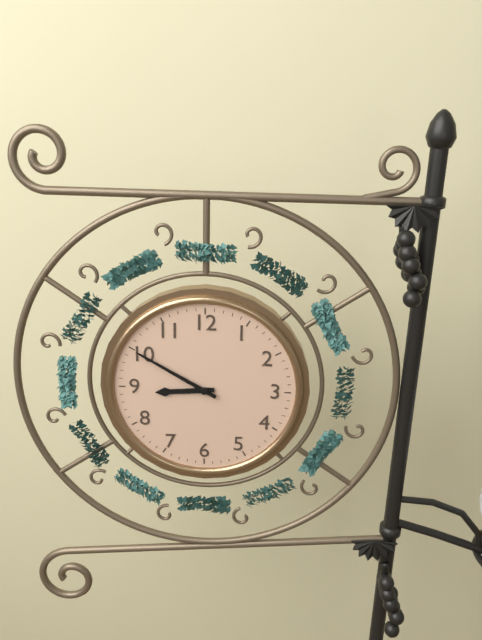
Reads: 8 h 50 min
